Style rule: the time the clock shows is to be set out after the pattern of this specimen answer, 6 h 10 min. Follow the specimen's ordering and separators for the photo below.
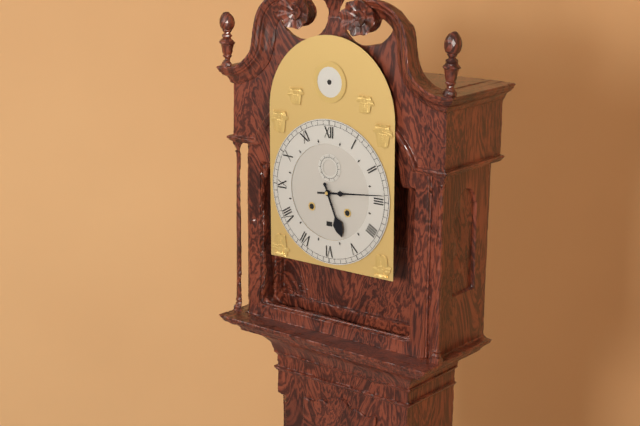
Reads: 5 h 14 min
